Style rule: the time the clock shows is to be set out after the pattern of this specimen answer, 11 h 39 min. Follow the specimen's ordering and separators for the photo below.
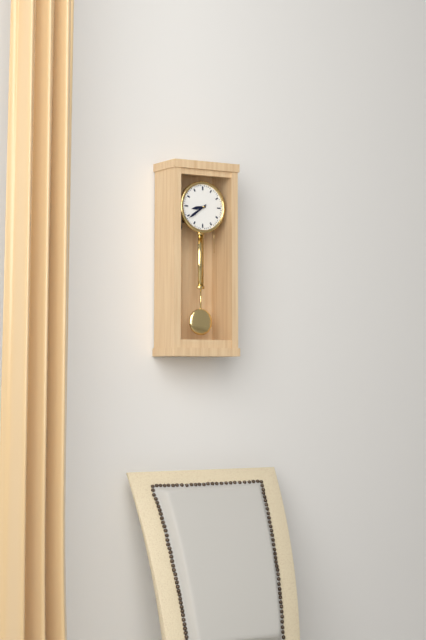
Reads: 8 h 39 min
